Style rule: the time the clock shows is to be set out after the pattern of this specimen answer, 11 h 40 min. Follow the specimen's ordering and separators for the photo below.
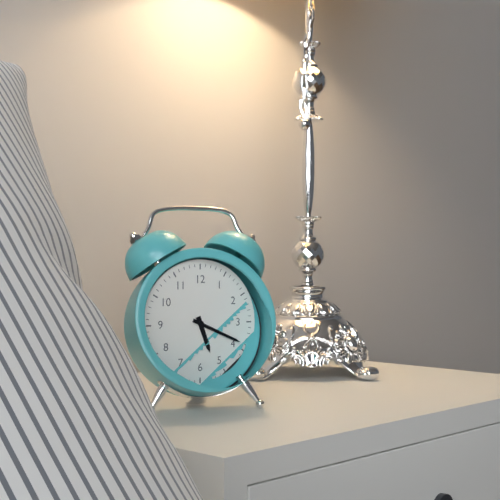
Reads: 5 h 19 min
